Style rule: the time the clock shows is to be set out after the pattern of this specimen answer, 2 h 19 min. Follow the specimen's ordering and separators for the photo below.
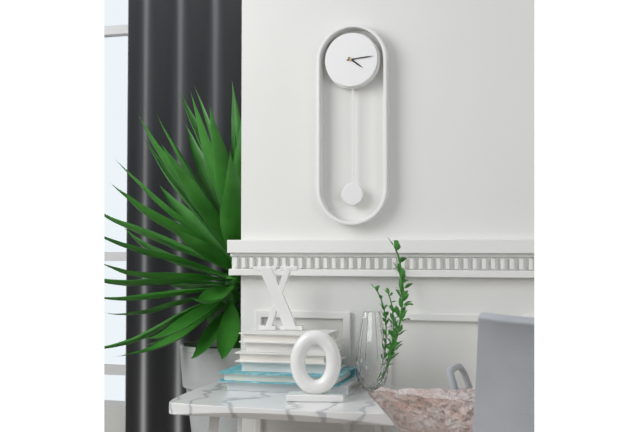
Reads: 4 h 14 min
